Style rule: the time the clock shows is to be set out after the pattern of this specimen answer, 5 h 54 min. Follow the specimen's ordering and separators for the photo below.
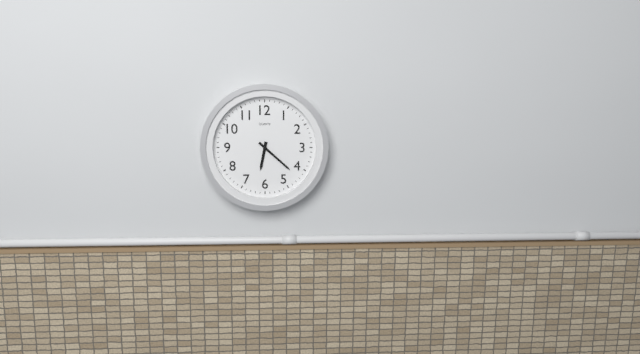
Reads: 6 h 22 min
